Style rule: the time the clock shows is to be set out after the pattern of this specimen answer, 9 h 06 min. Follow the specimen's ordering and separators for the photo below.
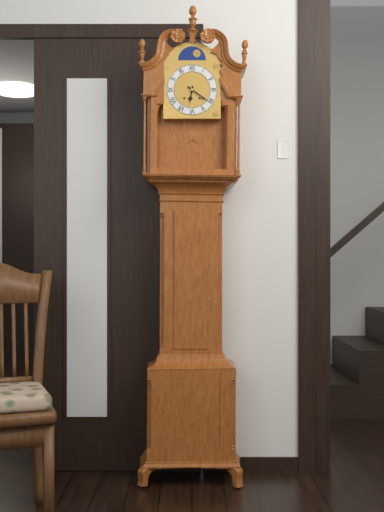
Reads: 6 h 21 min
